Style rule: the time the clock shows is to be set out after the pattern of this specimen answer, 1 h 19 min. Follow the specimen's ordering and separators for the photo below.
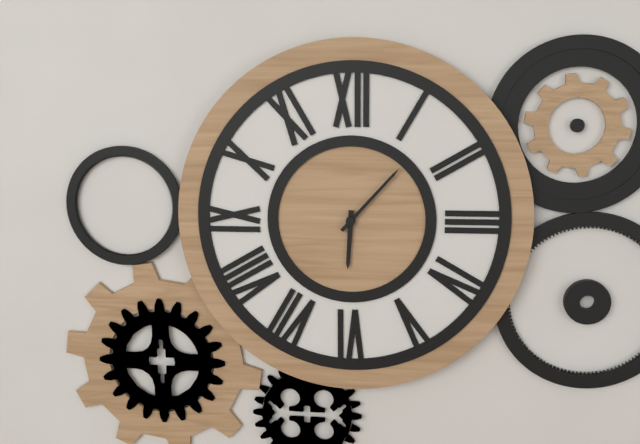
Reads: 6 h 07 min
